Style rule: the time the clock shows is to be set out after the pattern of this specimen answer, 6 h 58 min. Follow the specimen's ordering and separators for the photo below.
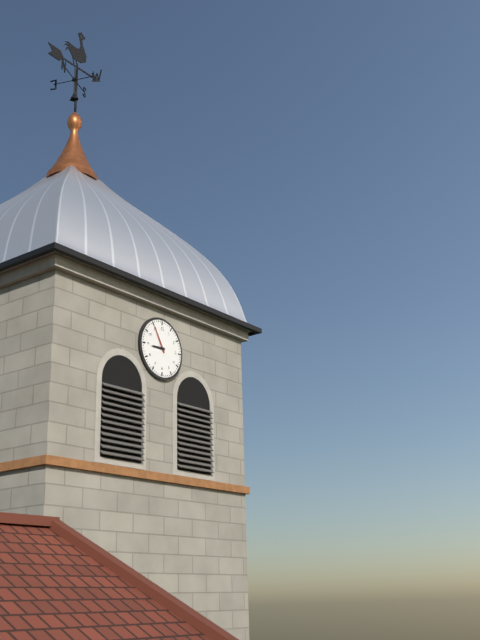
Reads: 8 h 55 min
